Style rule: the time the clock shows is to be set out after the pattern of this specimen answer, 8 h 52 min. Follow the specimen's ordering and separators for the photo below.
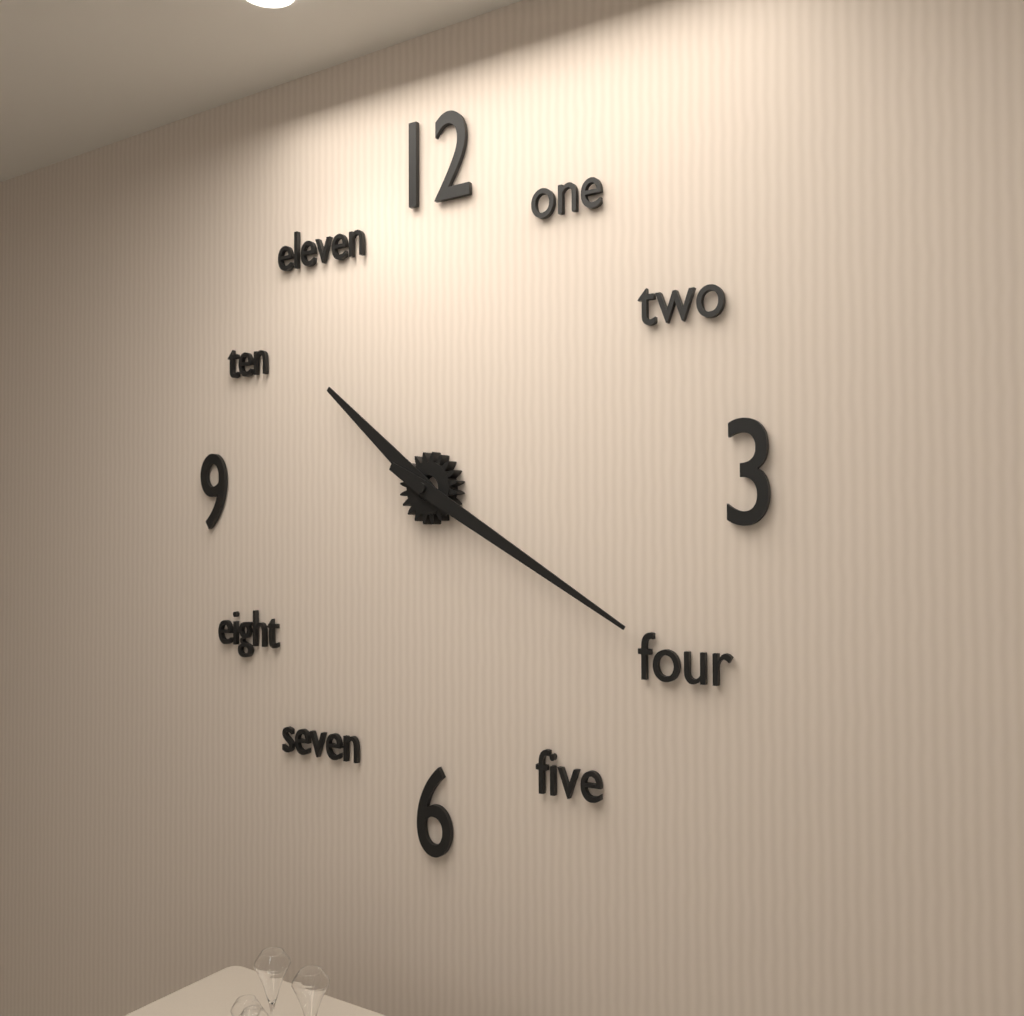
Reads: 10 h 20 min
